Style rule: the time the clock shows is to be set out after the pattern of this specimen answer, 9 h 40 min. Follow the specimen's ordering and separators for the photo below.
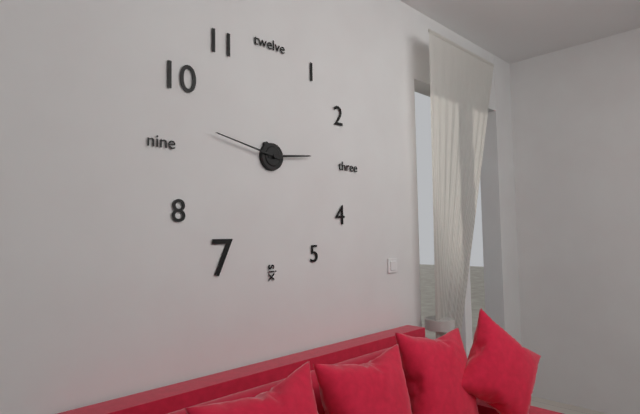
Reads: 2 h 47 min
